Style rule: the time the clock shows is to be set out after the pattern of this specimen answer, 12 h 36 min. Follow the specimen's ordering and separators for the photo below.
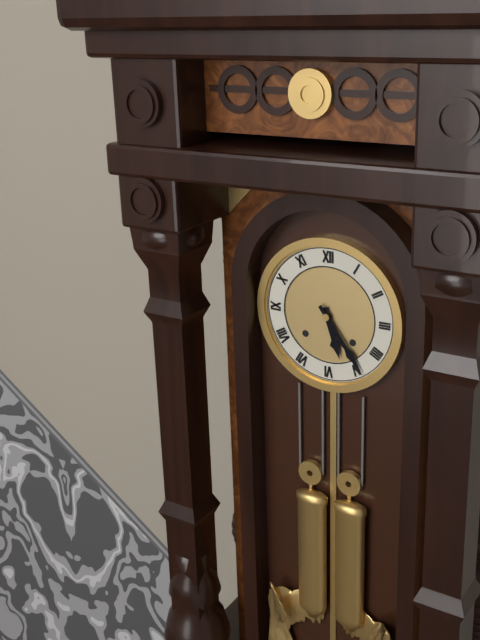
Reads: 5 h 24 min
